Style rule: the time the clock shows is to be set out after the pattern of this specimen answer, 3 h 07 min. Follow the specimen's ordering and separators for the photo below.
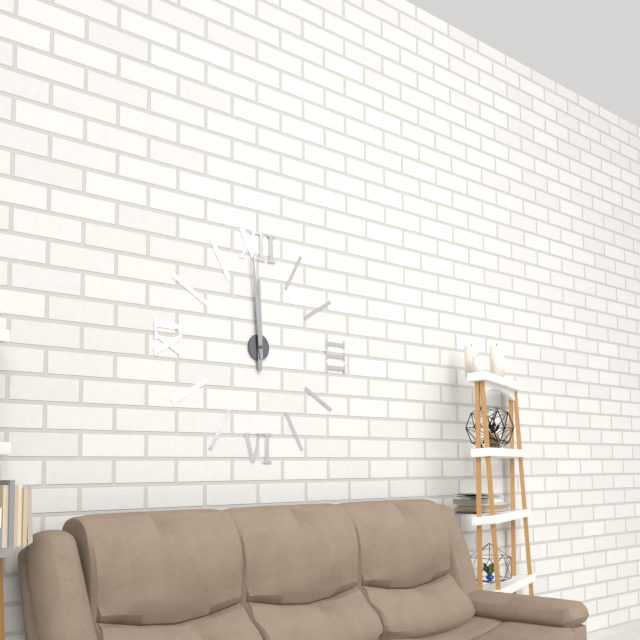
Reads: 11 h 59 min
